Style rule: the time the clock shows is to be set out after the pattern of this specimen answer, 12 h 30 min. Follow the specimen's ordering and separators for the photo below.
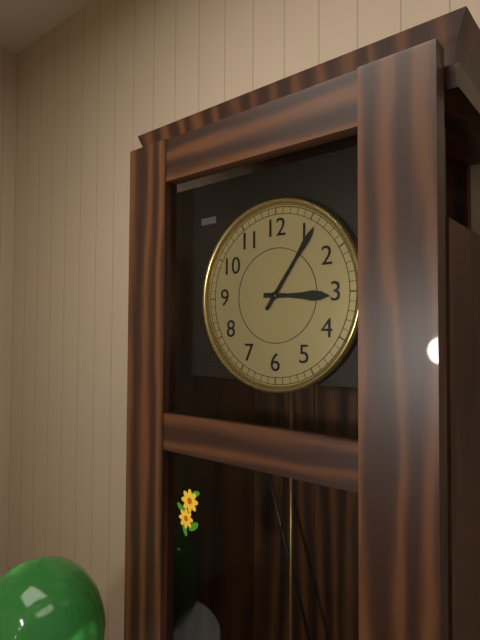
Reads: 3 h 06 min
